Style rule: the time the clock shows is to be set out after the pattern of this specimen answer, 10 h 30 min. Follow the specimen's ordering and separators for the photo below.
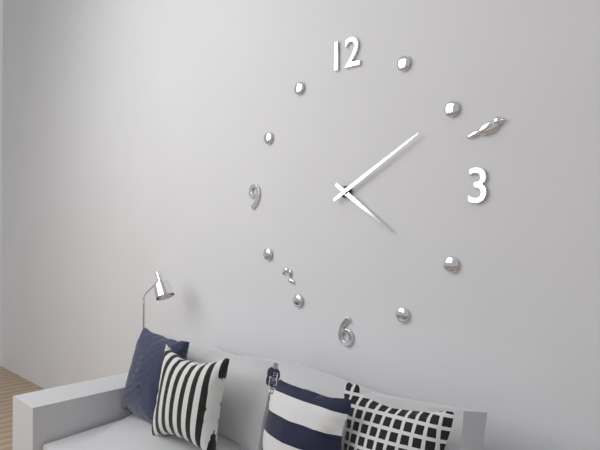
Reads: 4 h 10 min
